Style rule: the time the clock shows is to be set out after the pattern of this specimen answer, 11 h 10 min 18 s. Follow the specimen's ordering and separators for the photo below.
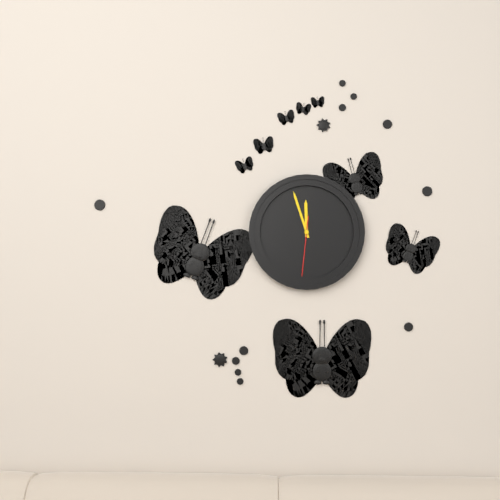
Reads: 11 h 57 min 31 s
